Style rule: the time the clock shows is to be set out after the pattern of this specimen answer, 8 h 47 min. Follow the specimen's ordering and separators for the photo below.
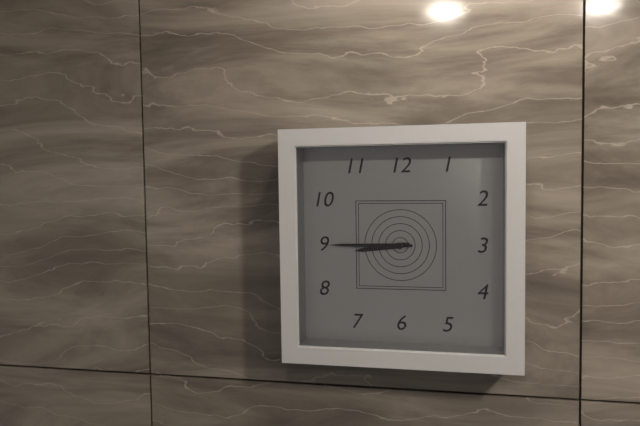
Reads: 8 h 45 min
